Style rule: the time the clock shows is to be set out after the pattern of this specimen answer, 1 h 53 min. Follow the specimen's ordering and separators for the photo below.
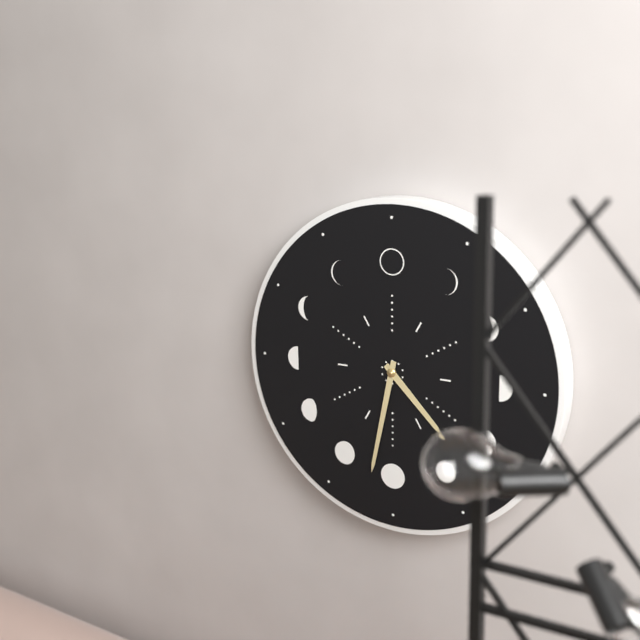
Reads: 4 h 32 min
